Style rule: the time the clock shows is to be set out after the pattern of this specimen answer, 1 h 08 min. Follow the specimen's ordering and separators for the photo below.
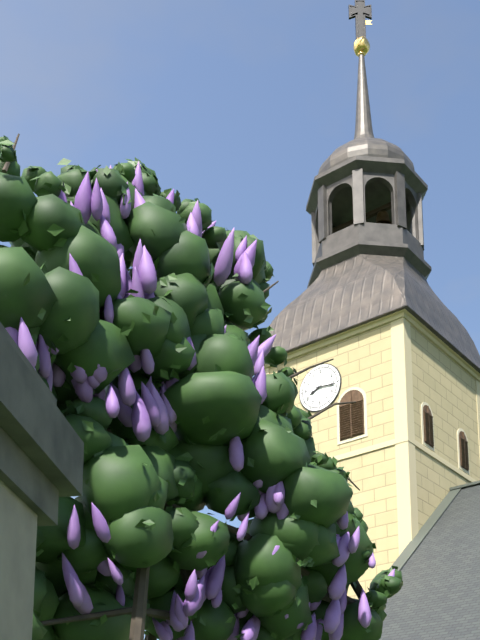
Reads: 8 h 16 min
